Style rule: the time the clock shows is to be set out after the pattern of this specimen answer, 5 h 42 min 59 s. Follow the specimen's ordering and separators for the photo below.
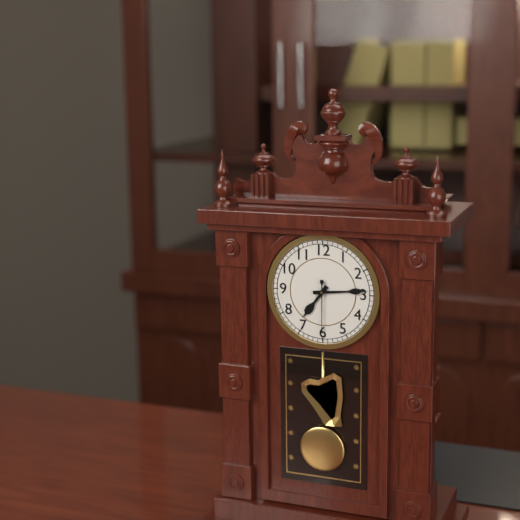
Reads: 7 h 14 min 30 s
